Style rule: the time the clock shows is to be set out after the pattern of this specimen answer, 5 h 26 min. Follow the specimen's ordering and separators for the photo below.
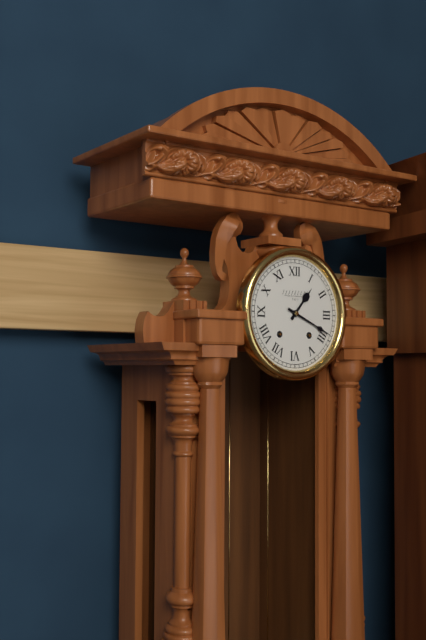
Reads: 1 h 19 min
